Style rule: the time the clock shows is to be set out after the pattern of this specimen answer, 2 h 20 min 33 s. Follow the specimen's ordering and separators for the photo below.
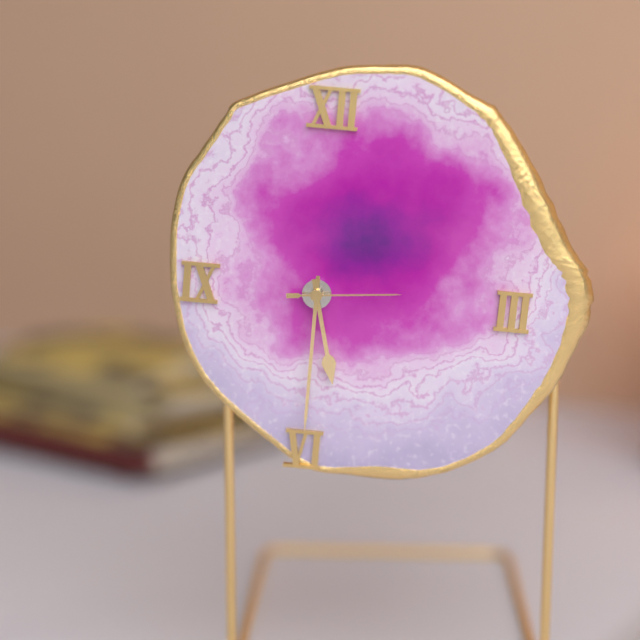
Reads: 5 h 30 min 14 s
